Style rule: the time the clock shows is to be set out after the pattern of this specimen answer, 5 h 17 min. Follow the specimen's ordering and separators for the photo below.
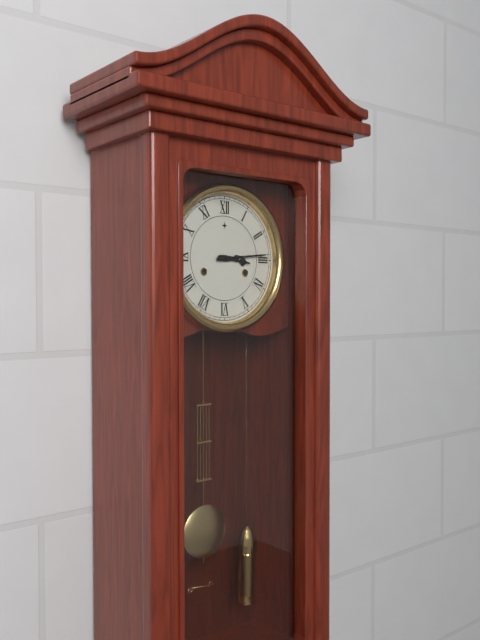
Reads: 3 h 14 min
